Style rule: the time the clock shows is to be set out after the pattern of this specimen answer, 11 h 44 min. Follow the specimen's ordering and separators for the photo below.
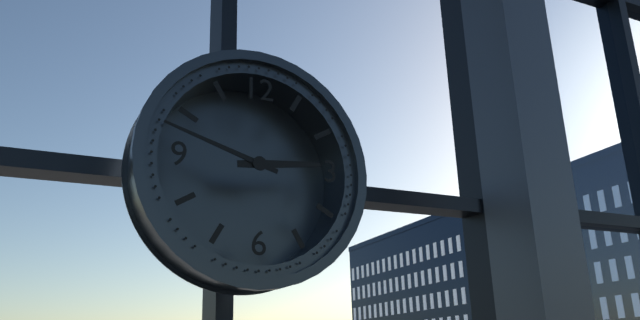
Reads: 2 h 48 min
